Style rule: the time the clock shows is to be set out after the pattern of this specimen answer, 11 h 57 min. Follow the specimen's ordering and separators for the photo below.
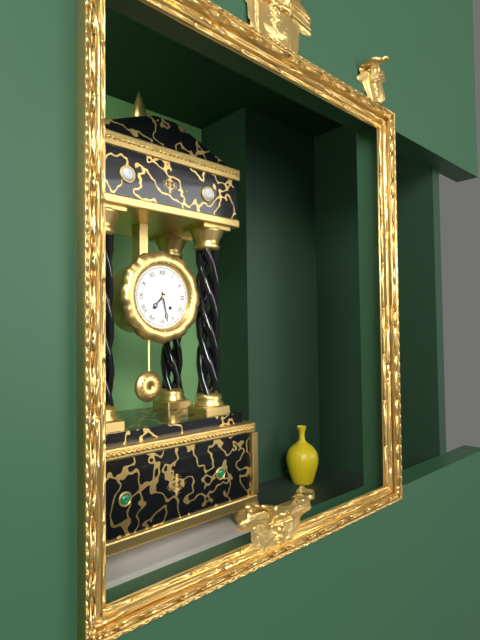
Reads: 7 h 28 min
